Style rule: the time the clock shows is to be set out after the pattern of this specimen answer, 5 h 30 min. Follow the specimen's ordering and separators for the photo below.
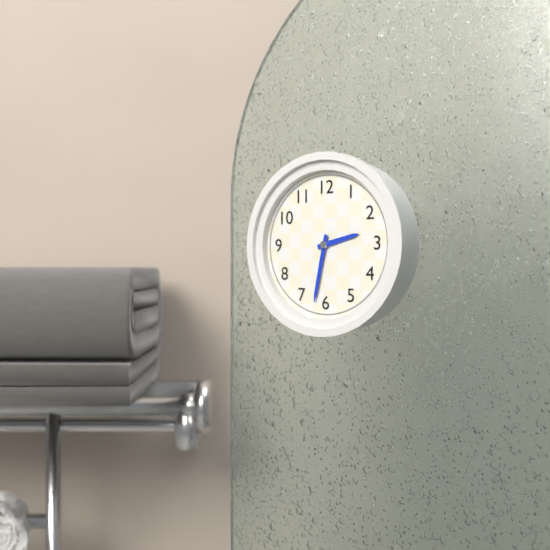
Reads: 2 h 32 min
